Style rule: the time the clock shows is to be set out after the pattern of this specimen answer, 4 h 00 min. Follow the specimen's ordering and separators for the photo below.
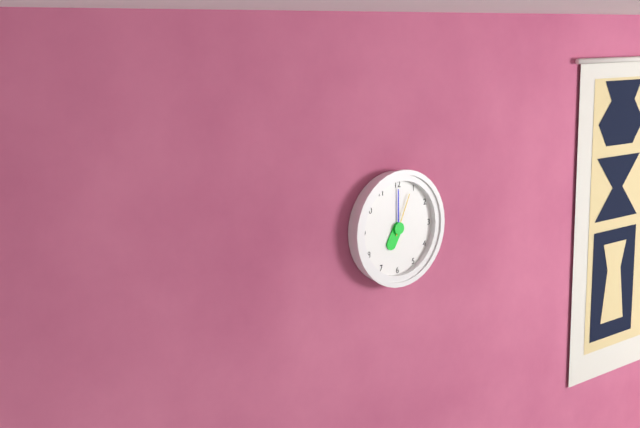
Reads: 7 h 00 min
